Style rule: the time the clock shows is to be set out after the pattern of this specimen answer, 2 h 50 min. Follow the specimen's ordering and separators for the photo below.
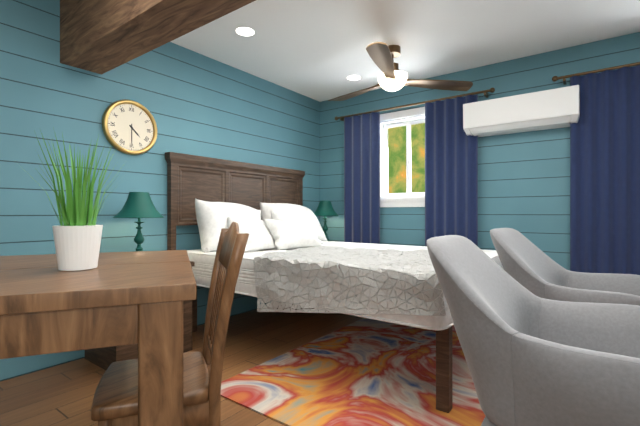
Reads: 4 h 30 min
